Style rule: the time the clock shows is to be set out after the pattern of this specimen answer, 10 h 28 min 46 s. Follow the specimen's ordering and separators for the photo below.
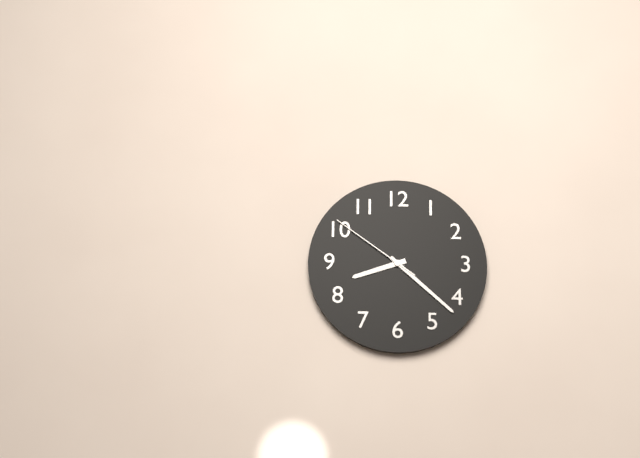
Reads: 8 h 22 min 51 s
